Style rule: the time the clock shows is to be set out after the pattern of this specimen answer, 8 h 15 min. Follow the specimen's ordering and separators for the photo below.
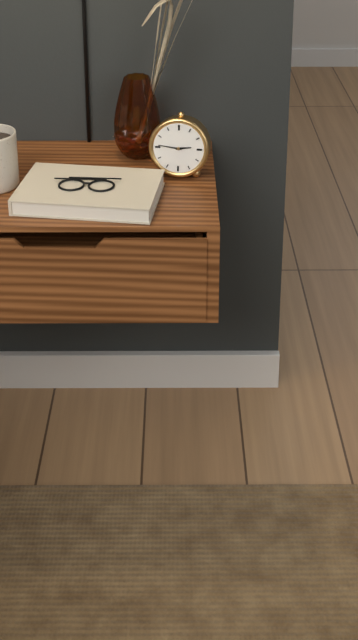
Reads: 2 h 46 min
